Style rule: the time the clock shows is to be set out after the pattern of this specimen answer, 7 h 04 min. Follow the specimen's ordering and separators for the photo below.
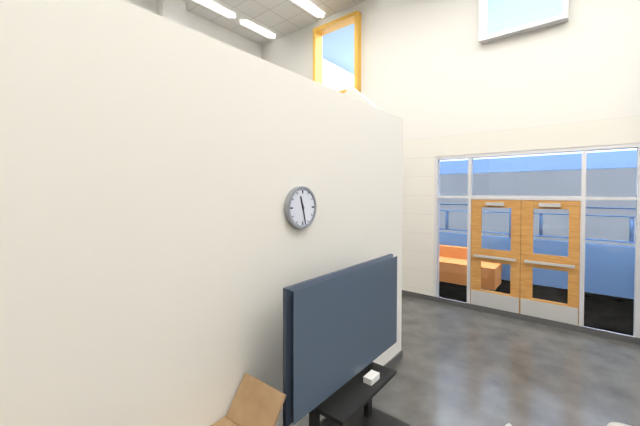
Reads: 11 h 28 min
